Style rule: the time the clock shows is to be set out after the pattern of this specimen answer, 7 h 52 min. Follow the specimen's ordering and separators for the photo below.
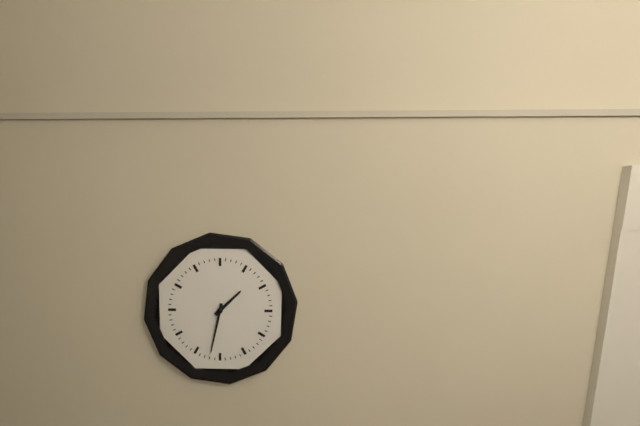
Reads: 1 h 32 min
